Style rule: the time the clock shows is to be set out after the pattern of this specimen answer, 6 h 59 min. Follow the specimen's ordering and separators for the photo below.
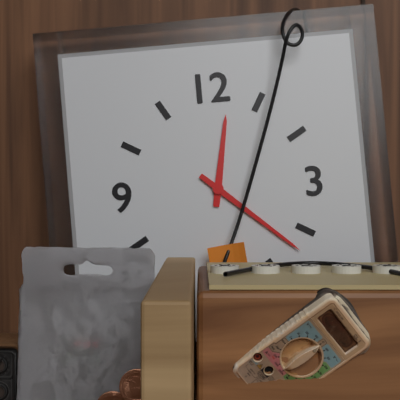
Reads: 12 h 22 min
